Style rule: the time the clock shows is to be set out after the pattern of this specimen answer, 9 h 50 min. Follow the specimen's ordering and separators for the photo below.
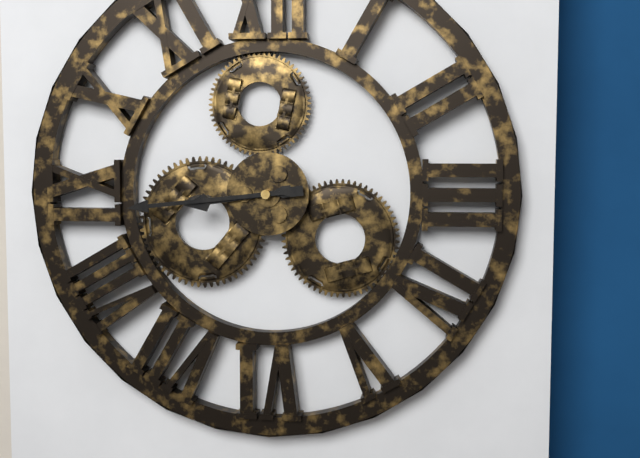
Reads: 8 h 44 min
